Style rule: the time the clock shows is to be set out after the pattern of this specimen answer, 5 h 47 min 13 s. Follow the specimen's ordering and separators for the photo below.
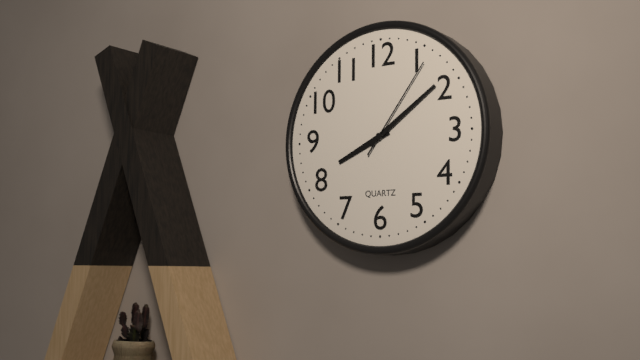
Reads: 8 h 09 min 06 s
